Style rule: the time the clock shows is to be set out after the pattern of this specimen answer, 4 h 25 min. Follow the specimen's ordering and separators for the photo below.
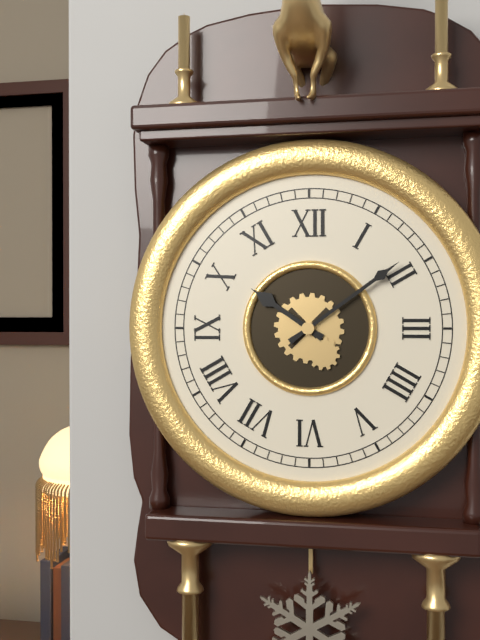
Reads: 10 h 09 min
